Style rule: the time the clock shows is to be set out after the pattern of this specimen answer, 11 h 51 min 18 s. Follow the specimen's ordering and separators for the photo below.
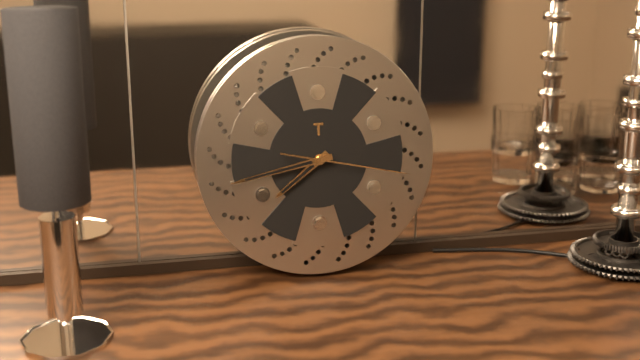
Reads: 7 h 43 min 17 s
